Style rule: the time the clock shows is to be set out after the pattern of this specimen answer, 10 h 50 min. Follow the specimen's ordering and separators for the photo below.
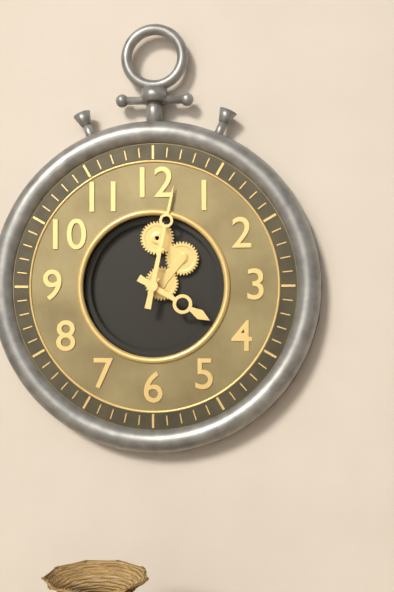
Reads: 4 h 02 min
